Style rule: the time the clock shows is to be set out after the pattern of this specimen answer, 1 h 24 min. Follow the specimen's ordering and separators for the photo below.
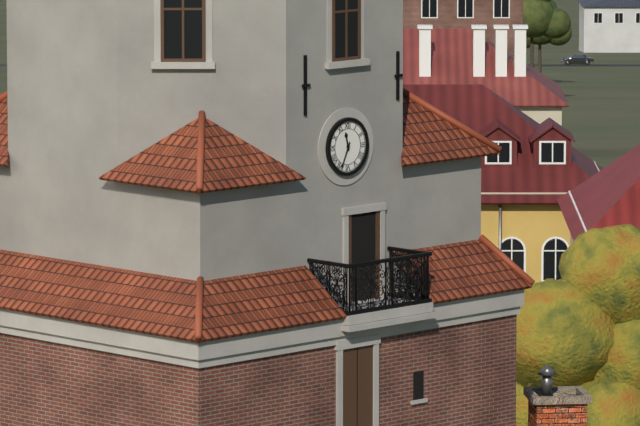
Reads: 11 h 34 min
